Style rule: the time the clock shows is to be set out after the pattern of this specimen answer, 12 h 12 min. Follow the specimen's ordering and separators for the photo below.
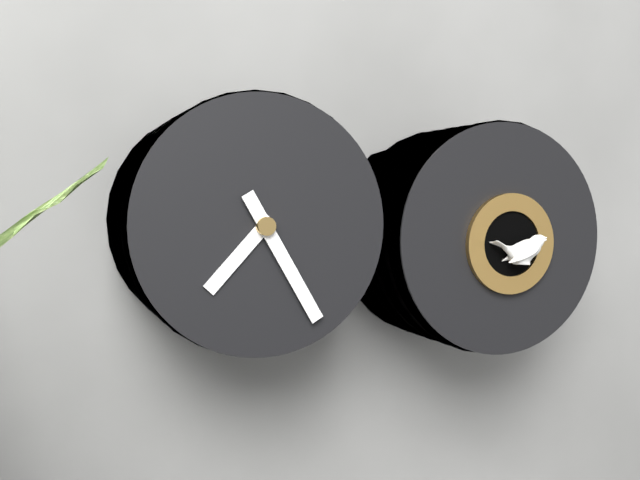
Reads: 7 h 25 min
